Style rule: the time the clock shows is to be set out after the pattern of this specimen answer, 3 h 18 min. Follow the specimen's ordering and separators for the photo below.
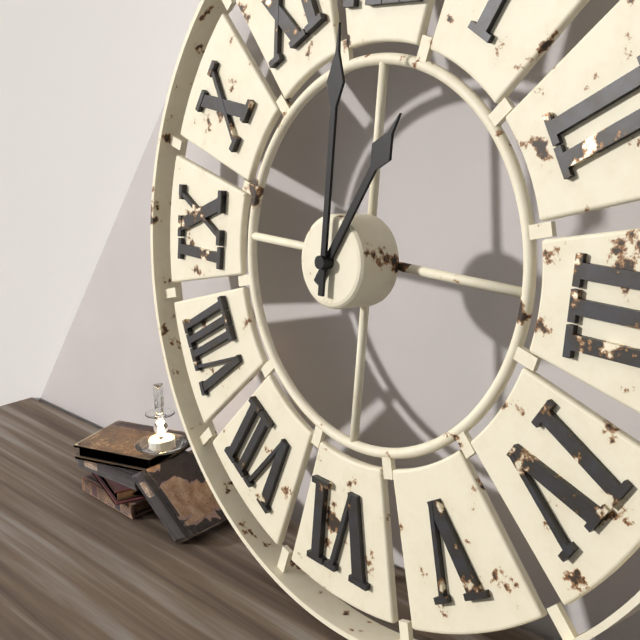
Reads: 1 h 00 min
